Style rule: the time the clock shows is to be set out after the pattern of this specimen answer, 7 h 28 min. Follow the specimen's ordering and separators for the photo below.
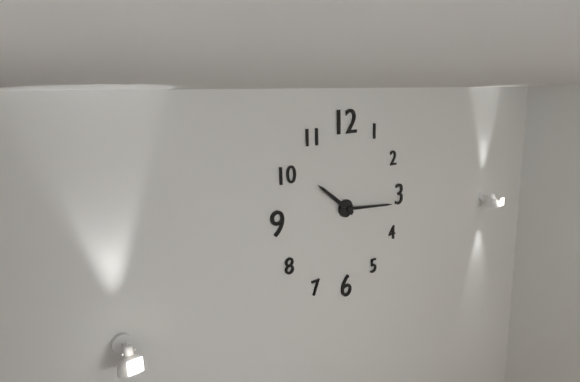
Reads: 10 h 16 min
